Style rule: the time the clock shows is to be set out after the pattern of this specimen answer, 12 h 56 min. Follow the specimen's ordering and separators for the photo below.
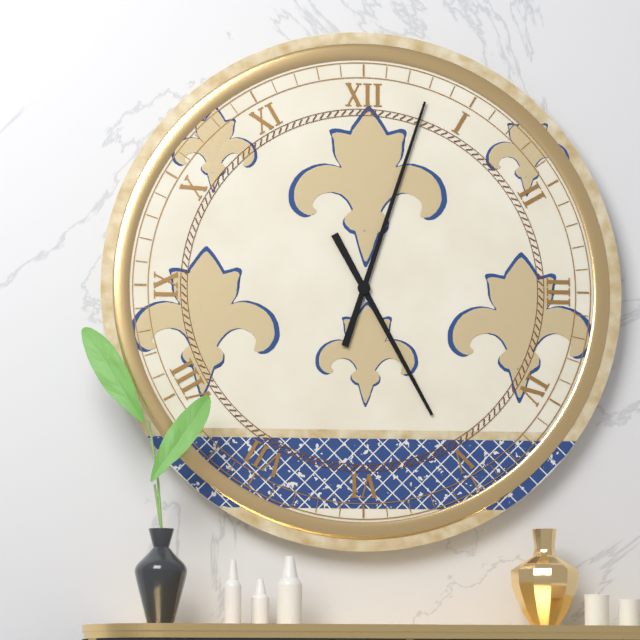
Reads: 5 h 03 min
